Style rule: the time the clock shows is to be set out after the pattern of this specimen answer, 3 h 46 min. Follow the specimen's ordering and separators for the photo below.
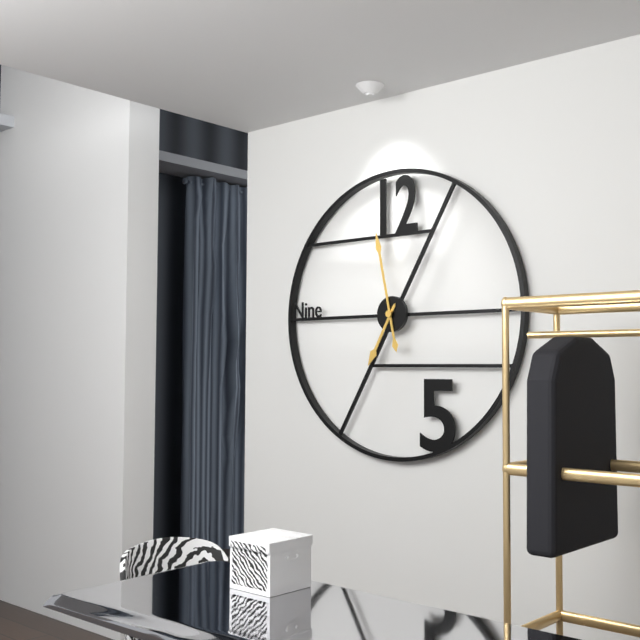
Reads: 6 h 58 min
